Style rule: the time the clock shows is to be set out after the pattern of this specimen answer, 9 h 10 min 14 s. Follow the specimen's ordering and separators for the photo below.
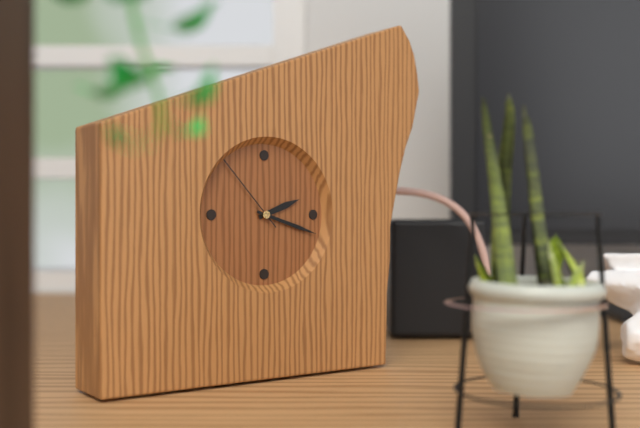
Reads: 2 h 18 min 53 s
